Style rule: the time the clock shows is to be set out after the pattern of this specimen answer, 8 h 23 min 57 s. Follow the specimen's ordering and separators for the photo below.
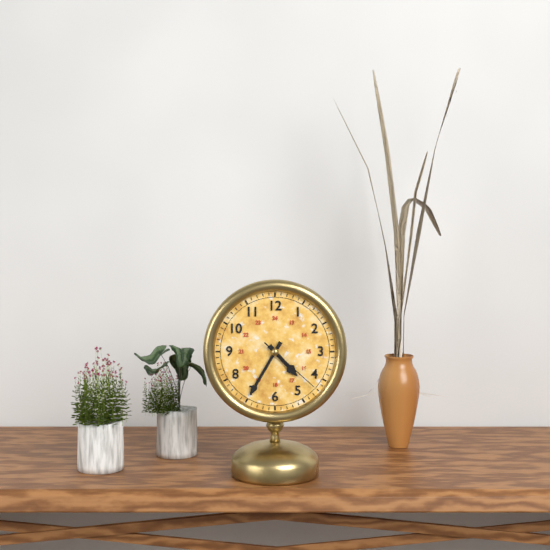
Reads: 4 h 35 min 22 s
